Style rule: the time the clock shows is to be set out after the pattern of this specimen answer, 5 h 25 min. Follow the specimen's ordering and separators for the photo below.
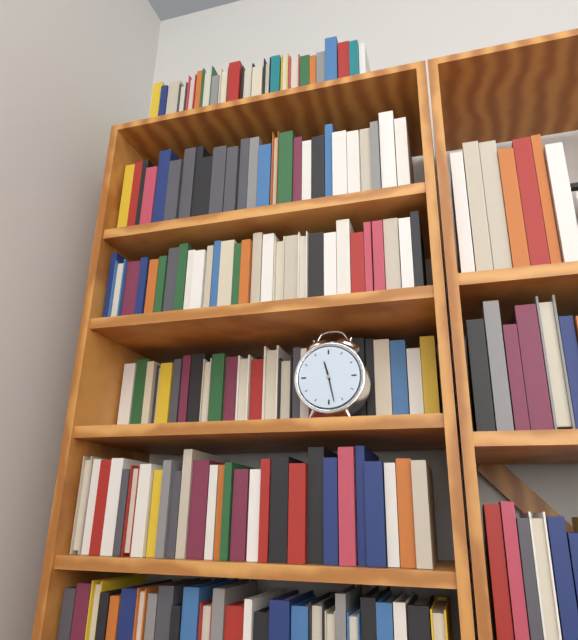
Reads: 11 h 28 min
